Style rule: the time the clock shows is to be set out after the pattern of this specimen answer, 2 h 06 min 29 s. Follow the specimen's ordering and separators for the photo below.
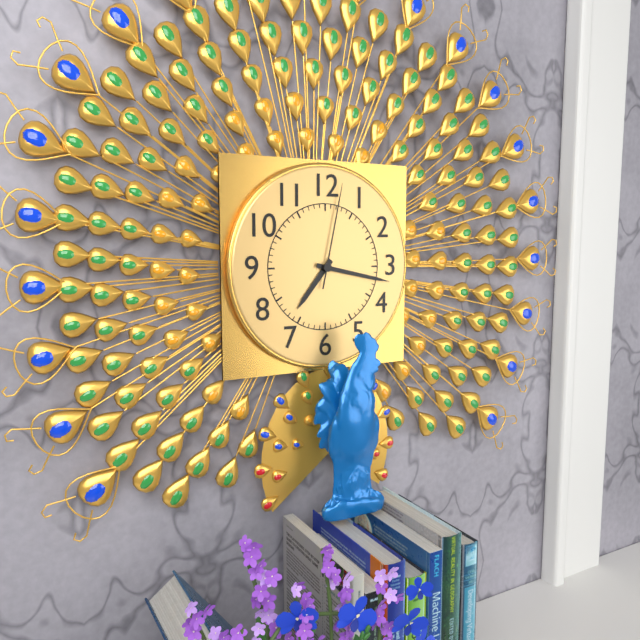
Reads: 7 h 17 min 02 s
